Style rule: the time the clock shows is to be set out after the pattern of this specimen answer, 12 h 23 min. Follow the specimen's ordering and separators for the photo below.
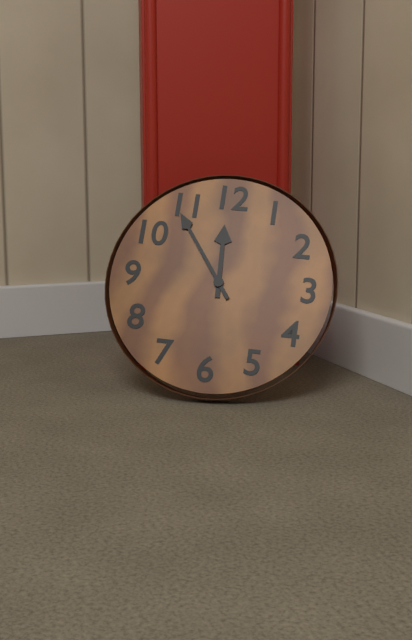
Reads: 11 h 54 min
